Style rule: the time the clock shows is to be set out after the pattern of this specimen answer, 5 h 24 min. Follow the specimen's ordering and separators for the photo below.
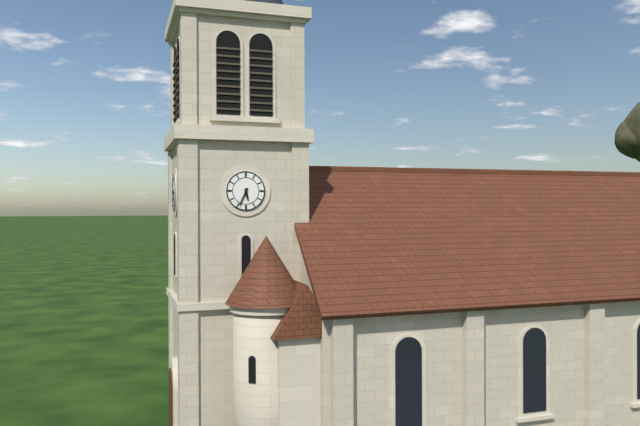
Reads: 5 h 34 min
